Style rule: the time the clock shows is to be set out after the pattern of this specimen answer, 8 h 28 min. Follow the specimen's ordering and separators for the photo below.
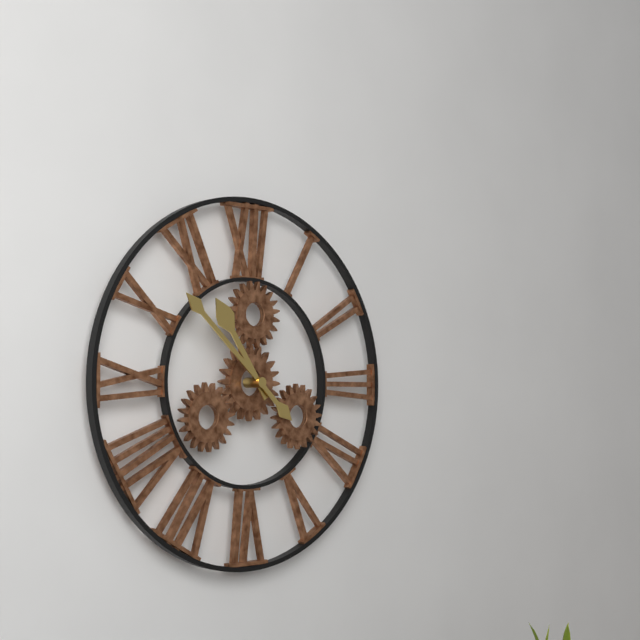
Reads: 10 h 52 min
